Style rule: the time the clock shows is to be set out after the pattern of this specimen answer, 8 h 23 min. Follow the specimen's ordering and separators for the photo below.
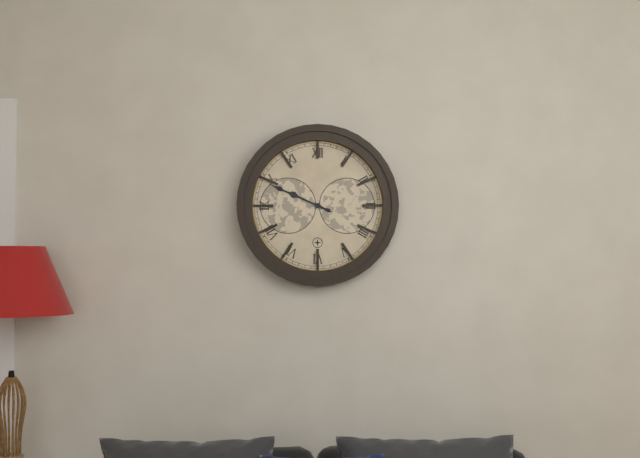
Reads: 9 h 49 min
